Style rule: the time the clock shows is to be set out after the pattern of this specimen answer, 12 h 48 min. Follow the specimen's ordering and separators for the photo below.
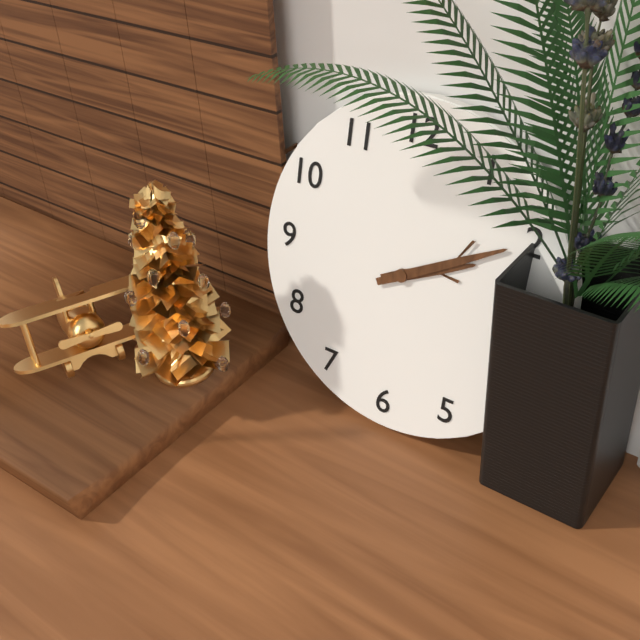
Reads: 2 h 10 min
